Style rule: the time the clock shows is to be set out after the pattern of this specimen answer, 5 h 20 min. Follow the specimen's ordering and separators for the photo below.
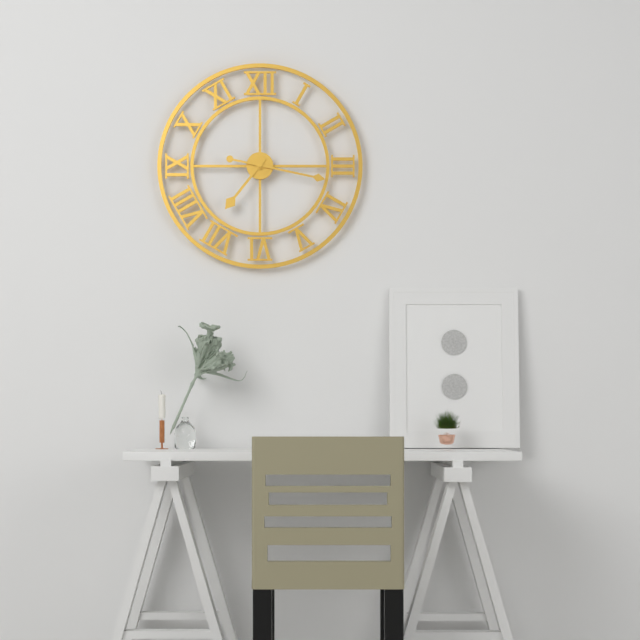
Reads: 7 h 17 min
